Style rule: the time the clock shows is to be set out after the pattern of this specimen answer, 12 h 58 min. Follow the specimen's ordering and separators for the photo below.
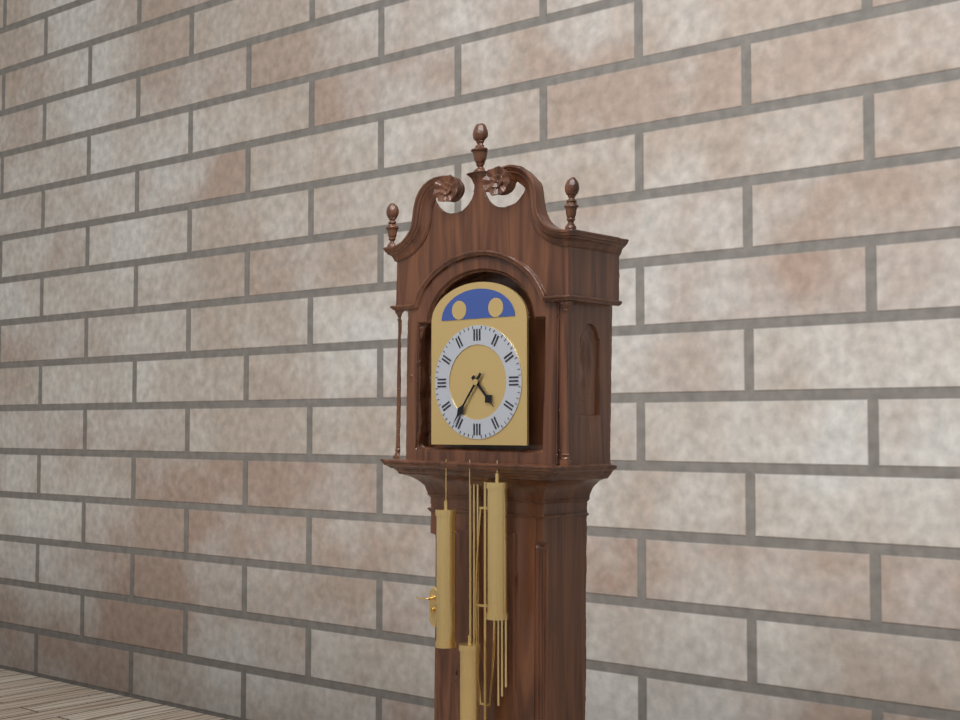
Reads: 4 h 36 min
